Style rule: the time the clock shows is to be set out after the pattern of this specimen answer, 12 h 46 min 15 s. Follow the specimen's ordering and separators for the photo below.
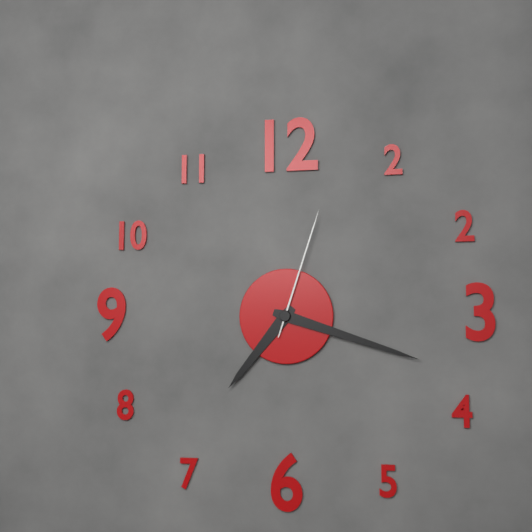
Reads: 7 h 18 min 03 s
